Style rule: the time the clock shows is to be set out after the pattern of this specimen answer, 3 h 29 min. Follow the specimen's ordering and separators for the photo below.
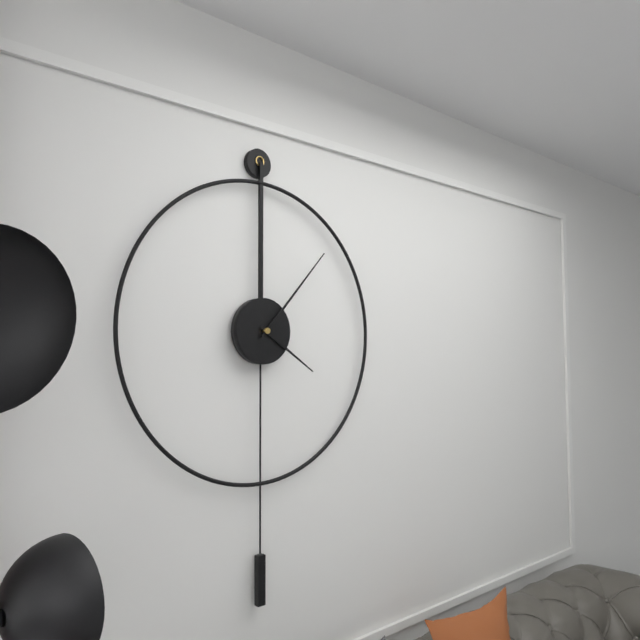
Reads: 4 h 07 min
